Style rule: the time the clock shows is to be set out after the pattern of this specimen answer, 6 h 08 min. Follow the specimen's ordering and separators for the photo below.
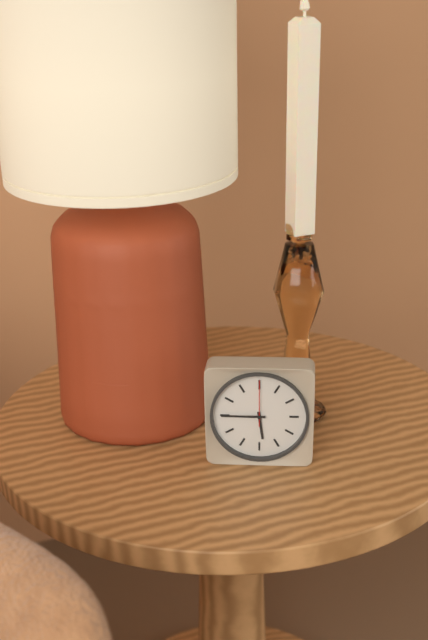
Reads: 5 h 45 min
